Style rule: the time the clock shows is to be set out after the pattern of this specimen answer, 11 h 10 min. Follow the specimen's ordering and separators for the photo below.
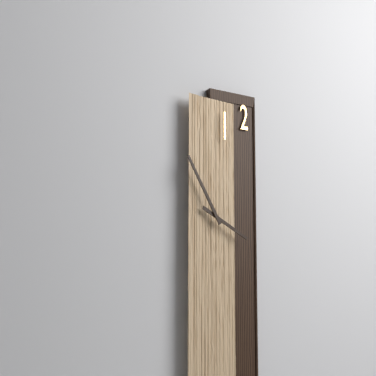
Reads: 3 h 55 min
